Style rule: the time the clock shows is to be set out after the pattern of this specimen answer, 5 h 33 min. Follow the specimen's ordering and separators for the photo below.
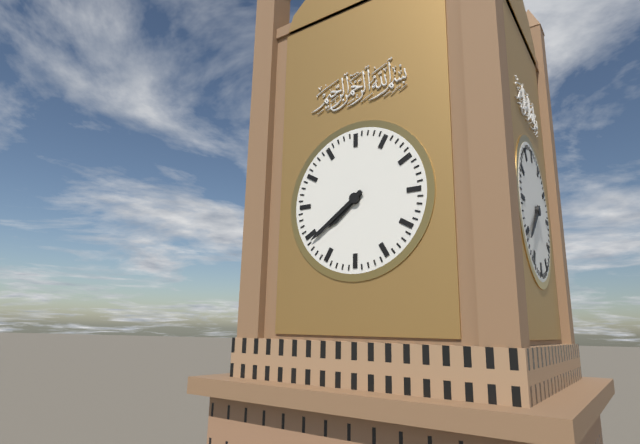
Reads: 7 h 39 min
